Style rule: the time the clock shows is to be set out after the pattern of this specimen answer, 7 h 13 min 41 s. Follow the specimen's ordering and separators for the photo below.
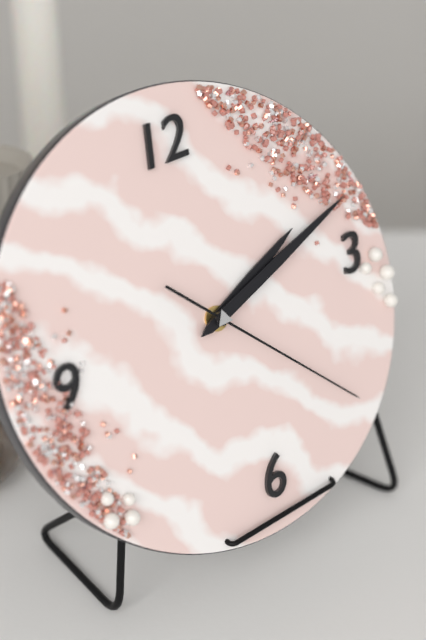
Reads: 2 h 12 min 23 s
